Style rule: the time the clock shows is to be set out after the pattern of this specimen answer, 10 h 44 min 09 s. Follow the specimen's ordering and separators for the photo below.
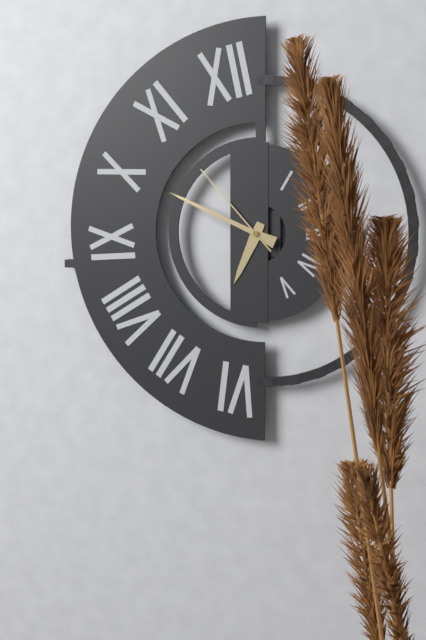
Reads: 6 h 49 min 53 s
